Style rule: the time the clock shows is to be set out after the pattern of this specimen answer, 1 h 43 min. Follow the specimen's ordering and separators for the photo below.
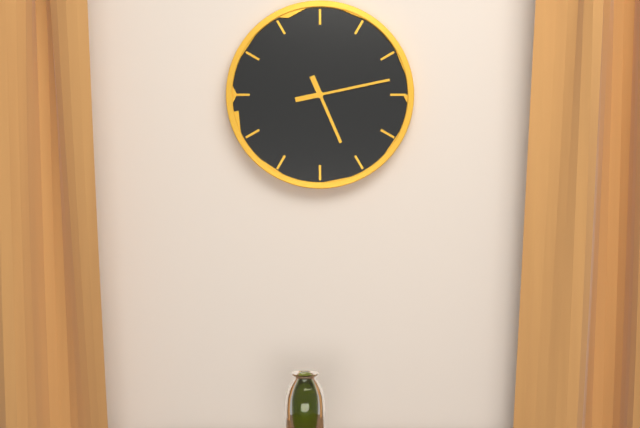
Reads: 5 h 13 min
